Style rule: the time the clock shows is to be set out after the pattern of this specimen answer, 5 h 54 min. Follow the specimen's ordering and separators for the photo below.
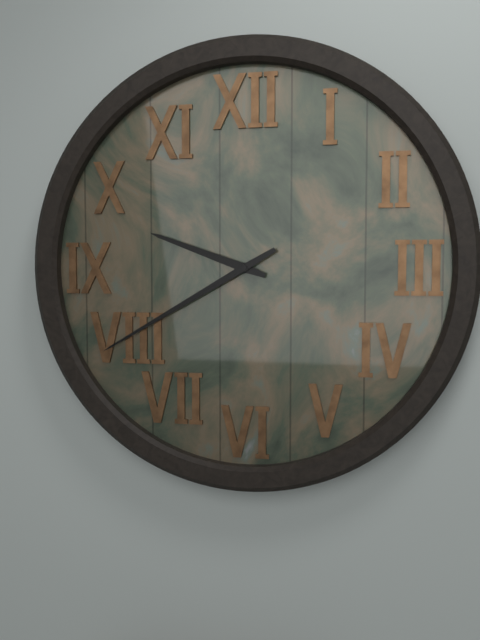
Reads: 9 h 40 min
